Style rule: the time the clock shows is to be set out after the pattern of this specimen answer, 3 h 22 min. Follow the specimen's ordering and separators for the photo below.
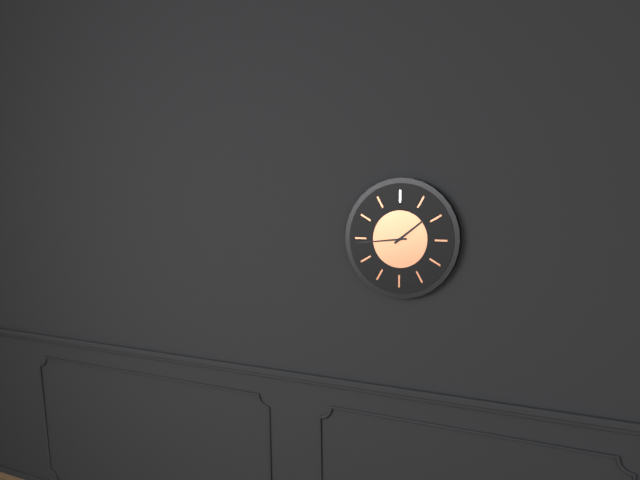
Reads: 1 h 44 min
